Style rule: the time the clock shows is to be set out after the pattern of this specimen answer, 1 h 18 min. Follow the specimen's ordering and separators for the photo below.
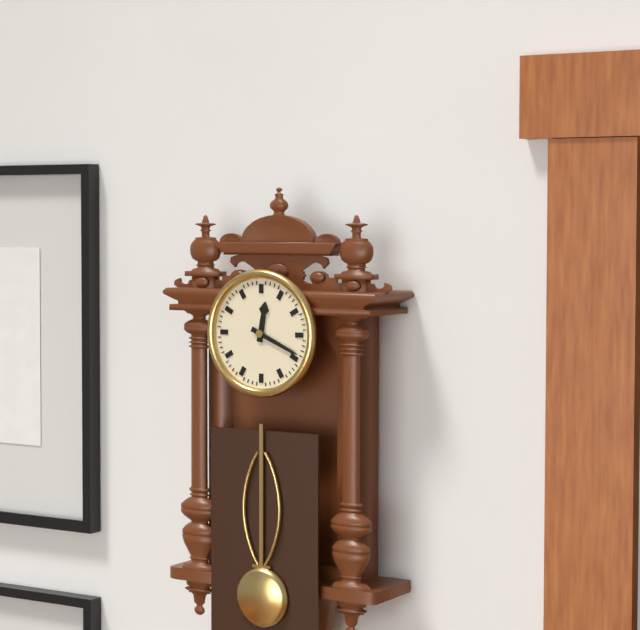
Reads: 12 h 19 min
